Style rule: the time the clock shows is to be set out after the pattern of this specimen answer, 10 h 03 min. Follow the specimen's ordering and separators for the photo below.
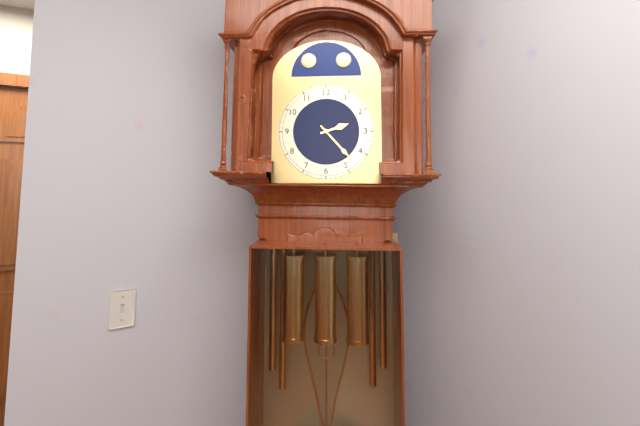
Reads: 2 h 23 min
